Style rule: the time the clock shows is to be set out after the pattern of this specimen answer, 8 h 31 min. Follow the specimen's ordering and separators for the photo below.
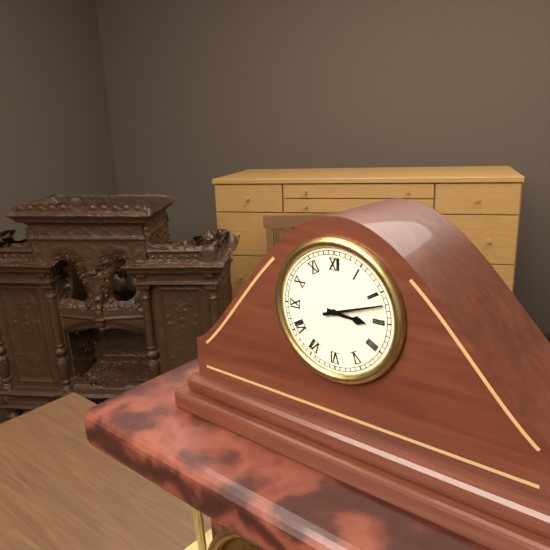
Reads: 3 h 12 min
